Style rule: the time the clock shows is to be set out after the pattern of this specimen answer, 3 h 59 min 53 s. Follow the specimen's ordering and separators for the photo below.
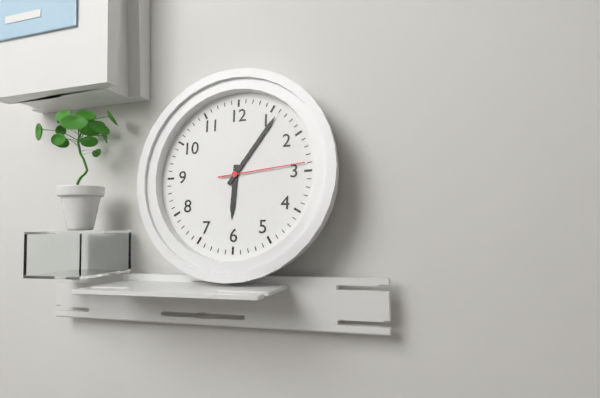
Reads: 6 h 06 min 14 s
